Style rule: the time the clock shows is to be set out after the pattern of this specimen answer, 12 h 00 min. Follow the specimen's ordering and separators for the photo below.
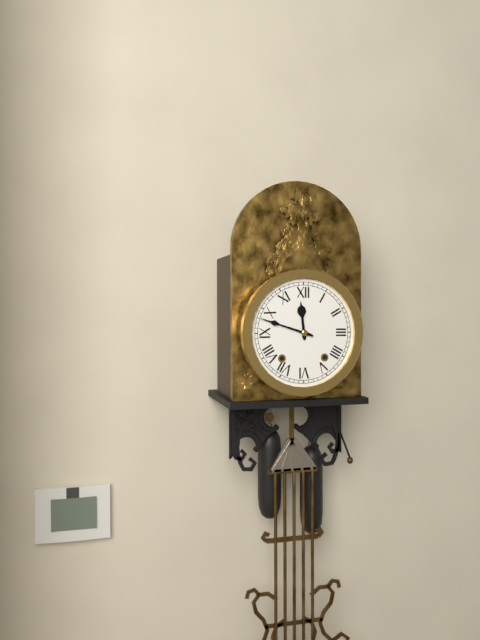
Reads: 11 h 48 min
